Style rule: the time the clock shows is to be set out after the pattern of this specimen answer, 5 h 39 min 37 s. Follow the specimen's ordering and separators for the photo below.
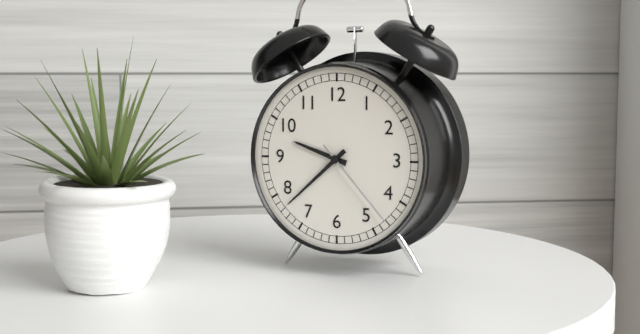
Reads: 9 h 38 min 23 s
